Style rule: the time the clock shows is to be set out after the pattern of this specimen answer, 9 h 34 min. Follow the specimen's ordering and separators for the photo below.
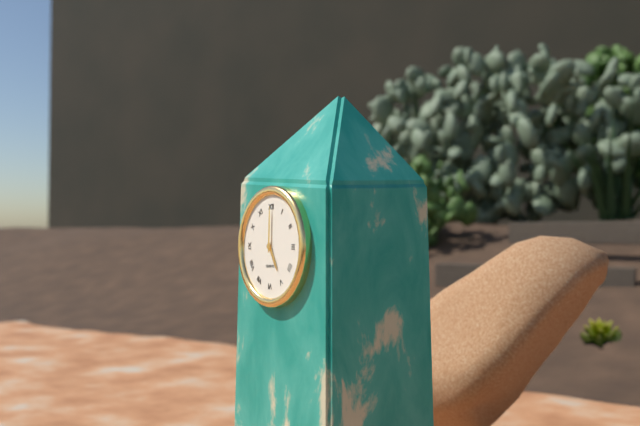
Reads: 5 h 00 min
